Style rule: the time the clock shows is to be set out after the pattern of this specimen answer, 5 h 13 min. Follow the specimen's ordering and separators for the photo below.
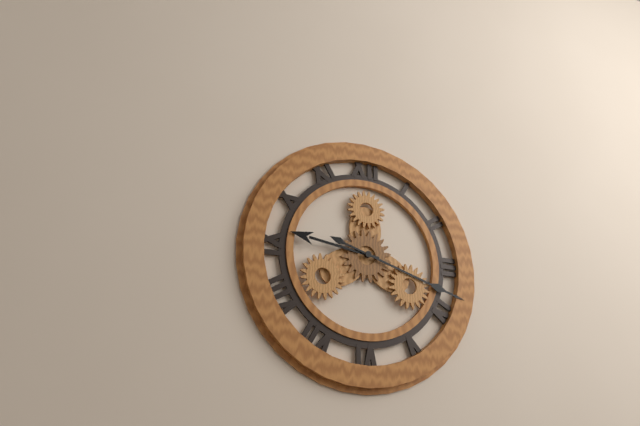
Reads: 9 h 18 min
